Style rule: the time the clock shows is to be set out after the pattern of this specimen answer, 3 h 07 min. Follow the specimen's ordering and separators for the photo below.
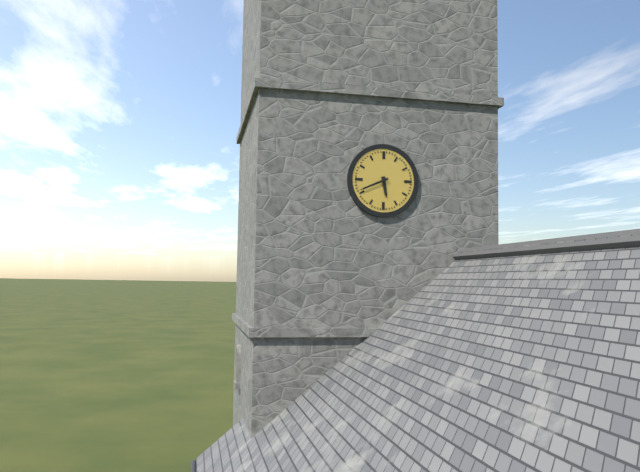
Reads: 5 h 41 min
